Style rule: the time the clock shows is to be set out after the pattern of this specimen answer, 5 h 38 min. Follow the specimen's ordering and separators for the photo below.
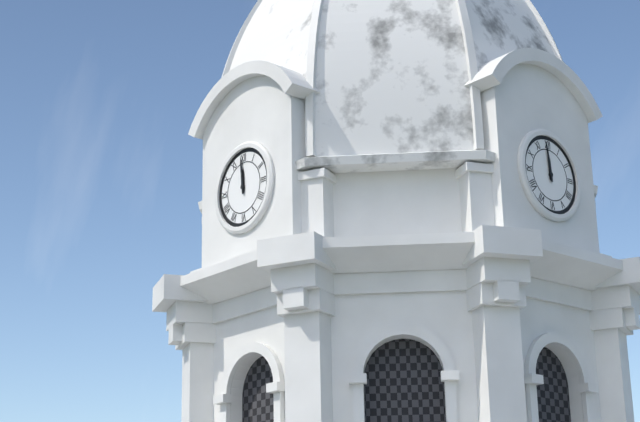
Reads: 11 h 59 min
